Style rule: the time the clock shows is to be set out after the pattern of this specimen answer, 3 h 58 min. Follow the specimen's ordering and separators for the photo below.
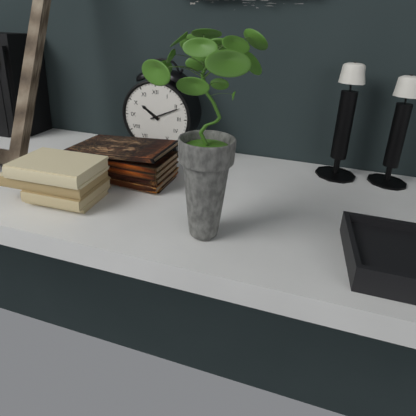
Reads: 10 h 11 min
